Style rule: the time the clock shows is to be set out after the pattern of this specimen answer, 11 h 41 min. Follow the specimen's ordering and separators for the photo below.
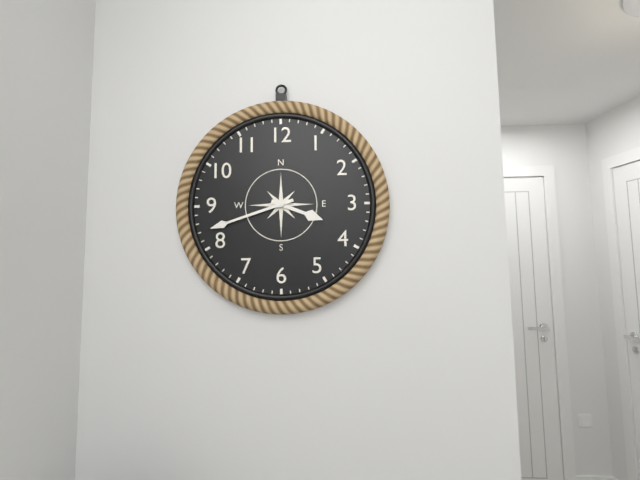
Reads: 3 h 42 min
